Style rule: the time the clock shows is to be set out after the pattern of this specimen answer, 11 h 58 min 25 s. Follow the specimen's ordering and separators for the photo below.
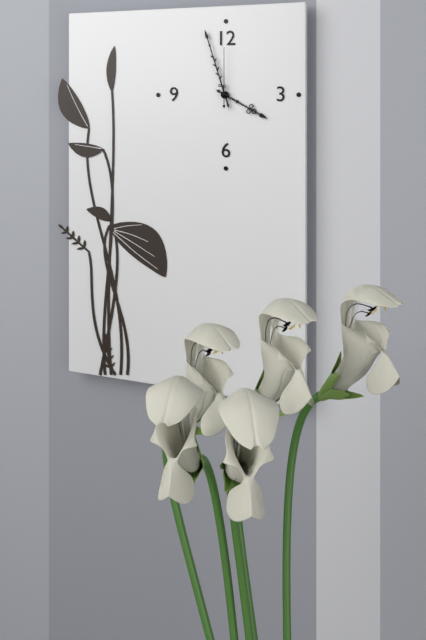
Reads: 3 h 57 min 00 s
